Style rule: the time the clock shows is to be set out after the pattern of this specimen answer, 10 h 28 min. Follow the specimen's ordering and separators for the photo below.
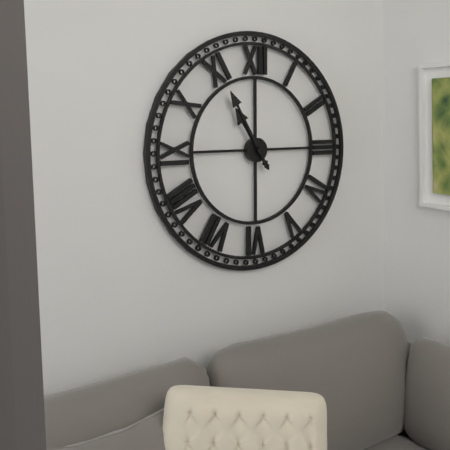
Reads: 10 h 55 min
